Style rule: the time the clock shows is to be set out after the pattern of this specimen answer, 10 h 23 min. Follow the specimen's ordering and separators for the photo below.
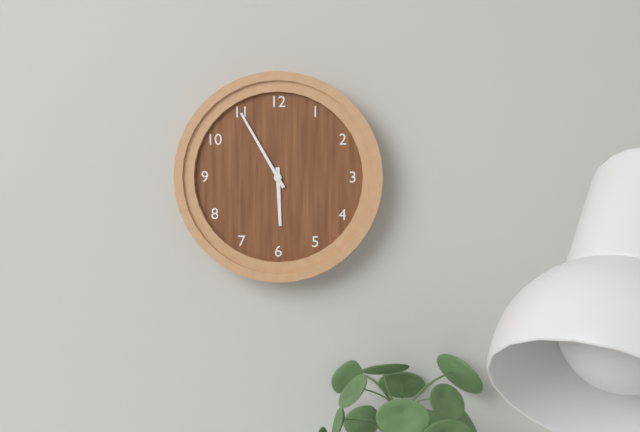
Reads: 5 h 55 min
